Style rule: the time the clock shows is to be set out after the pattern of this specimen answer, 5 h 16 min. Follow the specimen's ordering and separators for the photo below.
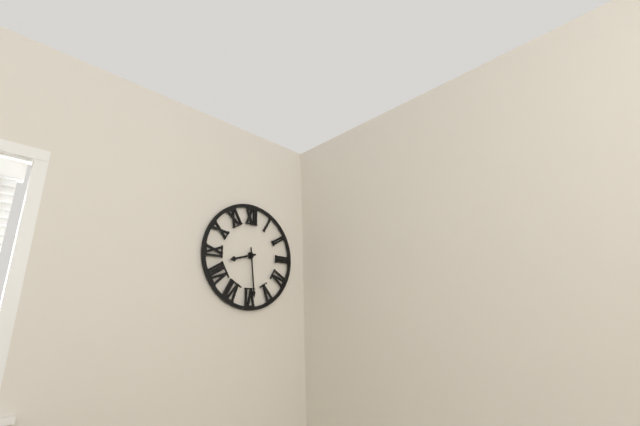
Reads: 8 h 29 min
